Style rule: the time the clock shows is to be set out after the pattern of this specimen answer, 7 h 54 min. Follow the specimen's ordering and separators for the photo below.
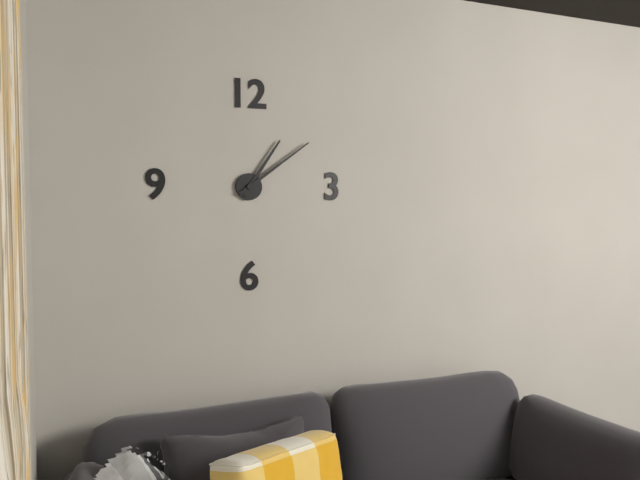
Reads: 1 h 09 min
